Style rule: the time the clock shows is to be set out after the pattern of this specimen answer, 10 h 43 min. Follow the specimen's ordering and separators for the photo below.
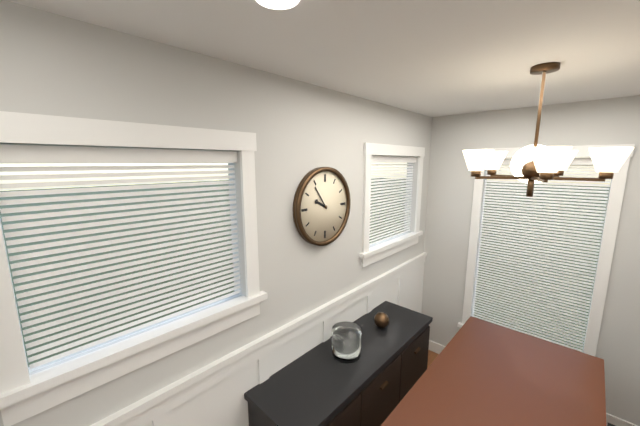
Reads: 9 h 54 min
